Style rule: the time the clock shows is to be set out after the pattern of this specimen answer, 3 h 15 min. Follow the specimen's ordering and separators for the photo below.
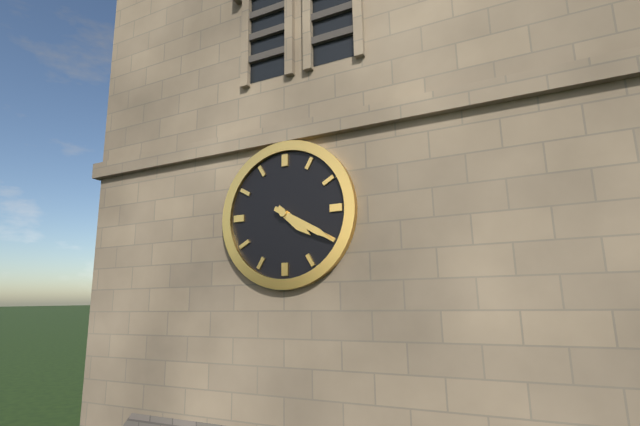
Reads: 4 h 20 min
